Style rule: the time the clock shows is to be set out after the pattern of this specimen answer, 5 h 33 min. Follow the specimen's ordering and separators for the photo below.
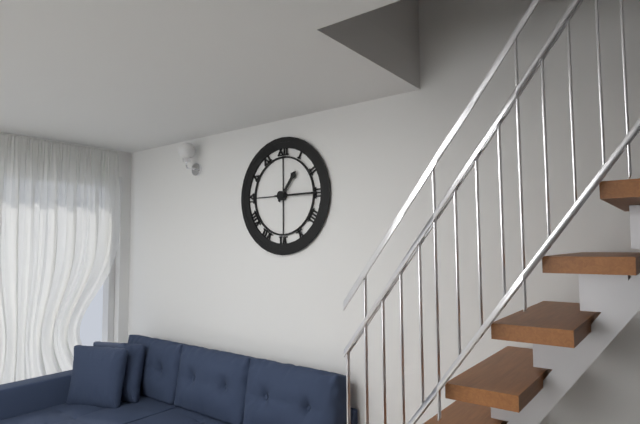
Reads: 1 h 15 min
